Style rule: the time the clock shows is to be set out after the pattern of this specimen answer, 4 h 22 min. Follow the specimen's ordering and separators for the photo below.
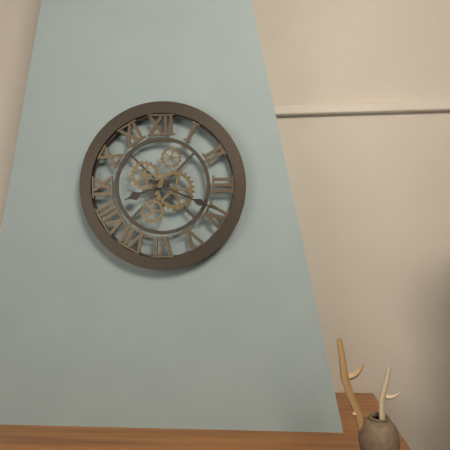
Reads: 8 h 19 min
